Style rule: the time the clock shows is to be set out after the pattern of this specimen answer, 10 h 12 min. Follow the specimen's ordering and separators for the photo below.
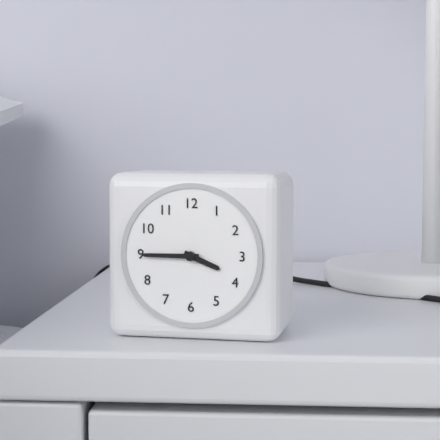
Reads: 3 h 45 min
